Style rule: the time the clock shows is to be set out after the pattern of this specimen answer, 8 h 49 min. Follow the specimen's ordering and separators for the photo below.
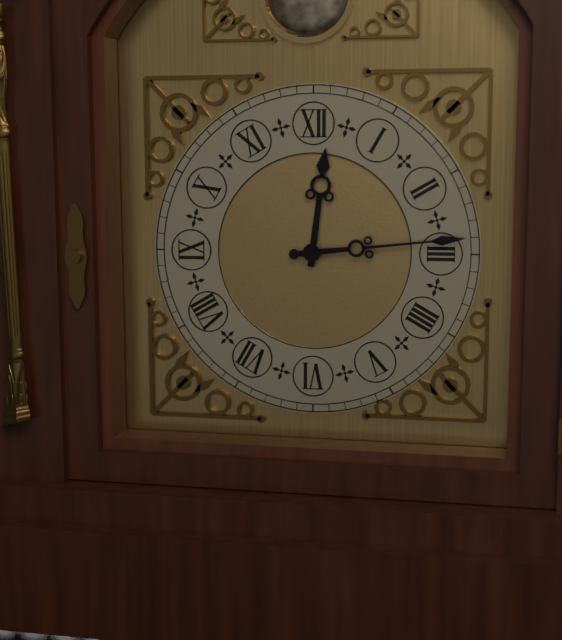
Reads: 12 h 14 min
